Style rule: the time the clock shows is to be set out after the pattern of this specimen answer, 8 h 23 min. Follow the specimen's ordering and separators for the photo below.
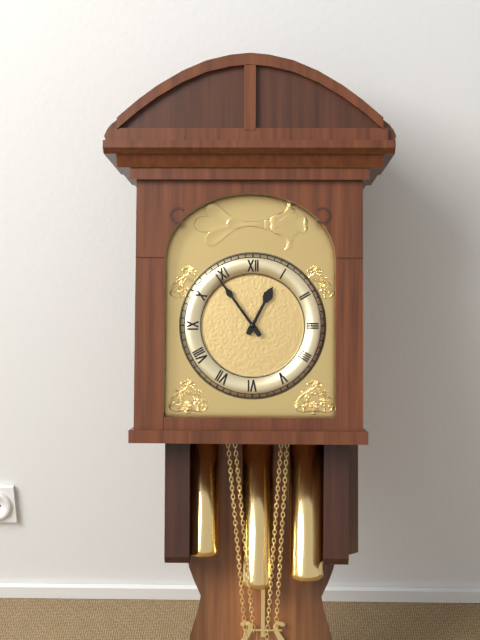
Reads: 12 h 54 min
